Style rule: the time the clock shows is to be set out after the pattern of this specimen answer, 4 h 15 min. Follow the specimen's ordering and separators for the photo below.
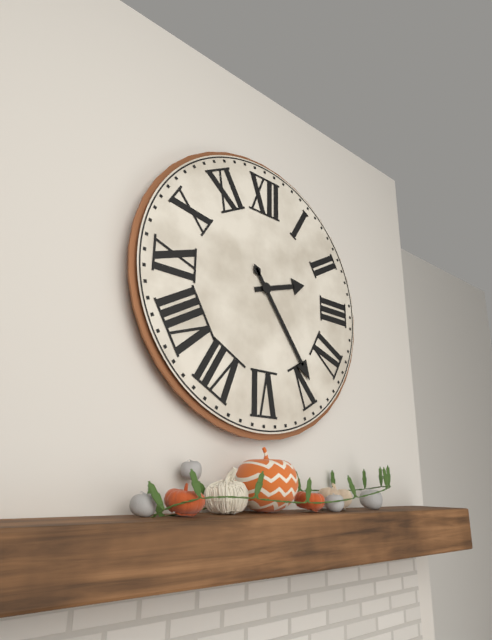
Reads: 2 h 24 min
